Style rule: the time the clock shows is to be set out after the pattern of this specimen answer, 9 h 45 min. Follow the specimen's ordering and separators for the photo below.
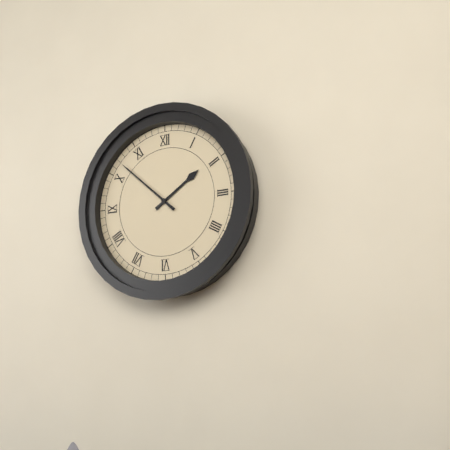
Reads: 1 h 52 min
